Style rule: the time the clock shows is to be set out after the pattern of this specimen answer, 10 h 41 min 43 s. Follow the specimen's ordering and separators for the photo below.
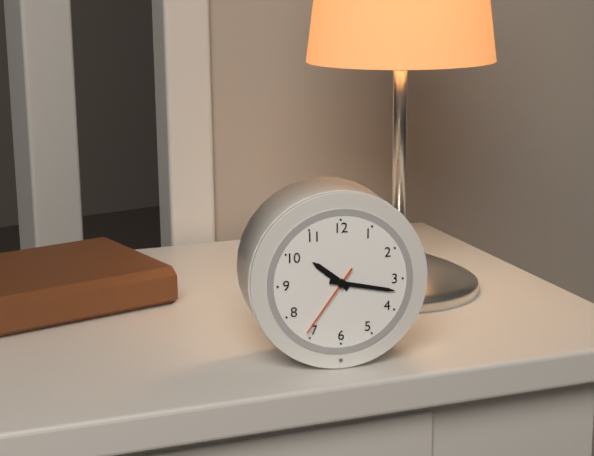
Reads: 10 h 17 min 36 s
